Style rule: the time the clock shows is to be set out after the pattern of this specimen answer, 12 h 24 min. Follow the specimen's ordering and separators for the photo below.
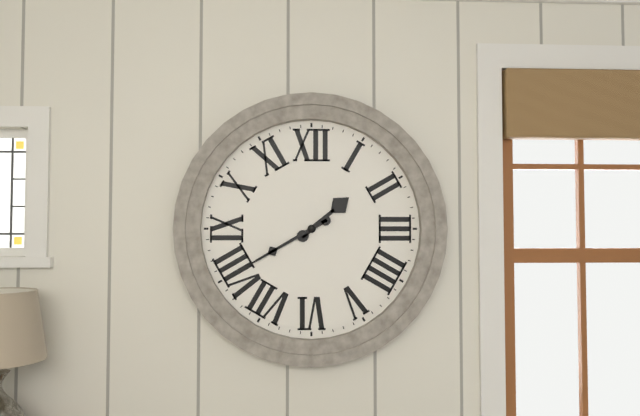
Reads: 1 h 40 min
